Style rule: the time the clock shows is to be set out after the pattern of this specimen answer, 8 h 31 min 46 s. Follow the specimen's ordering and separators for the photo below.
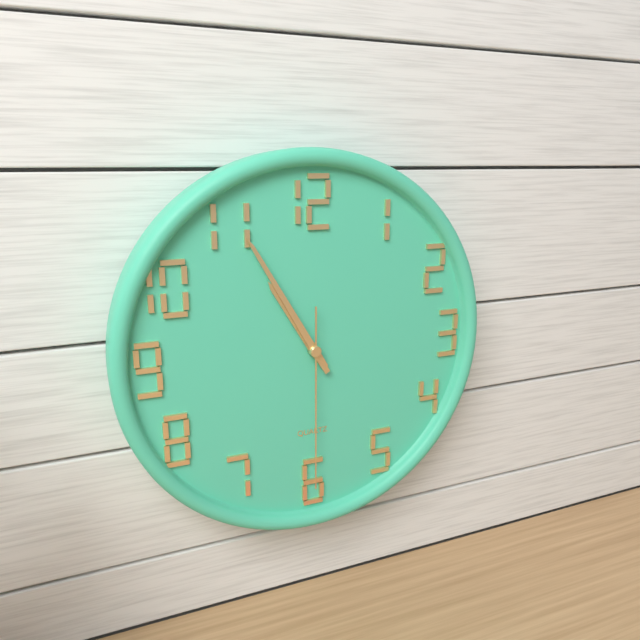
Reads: 10 h 55 min 30 s
